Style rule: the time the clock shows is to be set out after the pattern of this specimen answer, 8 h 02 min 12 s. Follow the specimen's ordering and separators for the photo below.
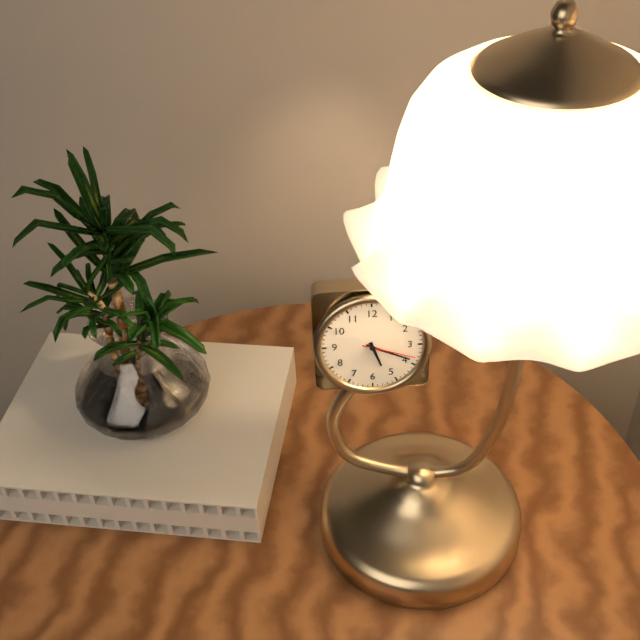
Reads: 5 h 19 min 18 s
